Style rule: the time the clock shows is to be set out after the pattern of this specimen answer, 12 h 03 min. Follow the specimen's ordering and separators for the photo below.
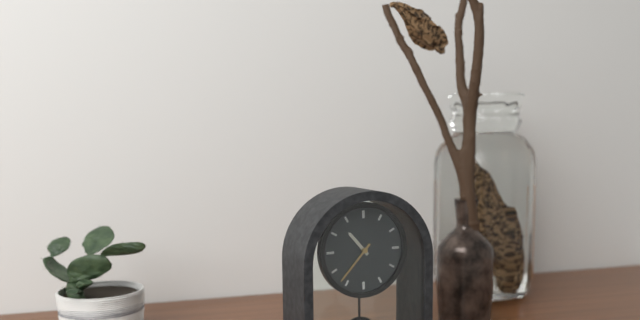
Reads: 10 h 37 min
